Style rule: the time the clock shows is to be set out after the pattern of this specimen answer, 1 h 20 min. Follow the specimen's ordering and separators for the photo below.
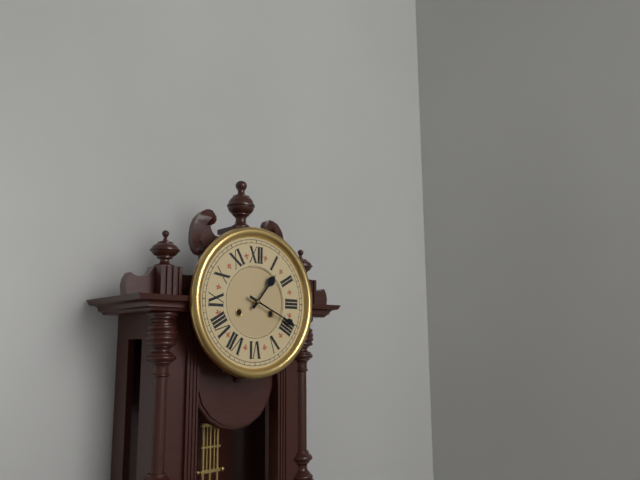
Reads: 1 h 19 min
